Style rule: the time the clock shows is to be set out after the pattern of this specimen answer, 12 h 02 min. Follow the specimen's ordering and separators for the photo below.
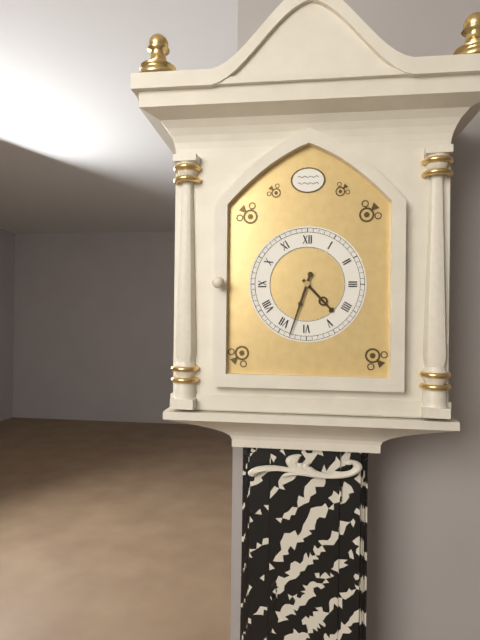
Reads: 4 h 33 min
